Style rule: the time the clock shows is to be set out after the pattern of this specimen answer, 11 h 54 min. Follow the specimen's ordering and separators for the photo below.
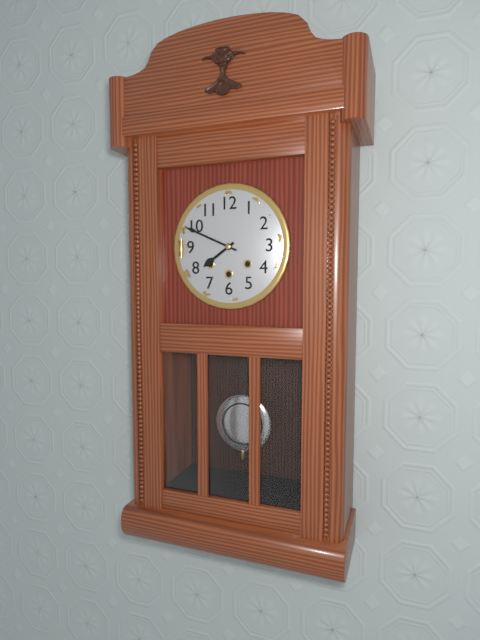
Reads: 7 h 49 min
